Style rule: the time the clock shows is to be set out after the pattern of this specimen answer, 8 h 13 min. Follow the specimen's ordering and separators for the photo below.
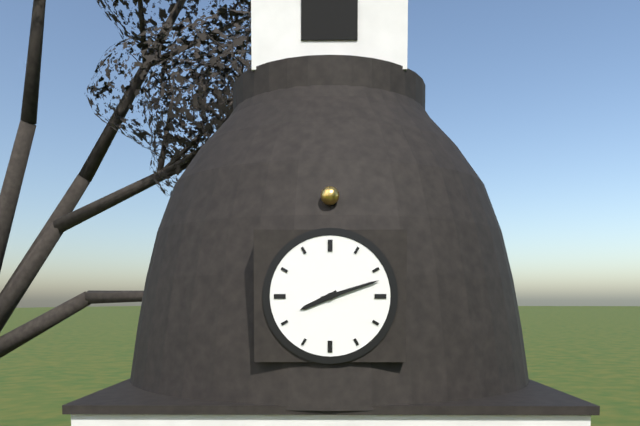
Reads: 8 h 12 min
